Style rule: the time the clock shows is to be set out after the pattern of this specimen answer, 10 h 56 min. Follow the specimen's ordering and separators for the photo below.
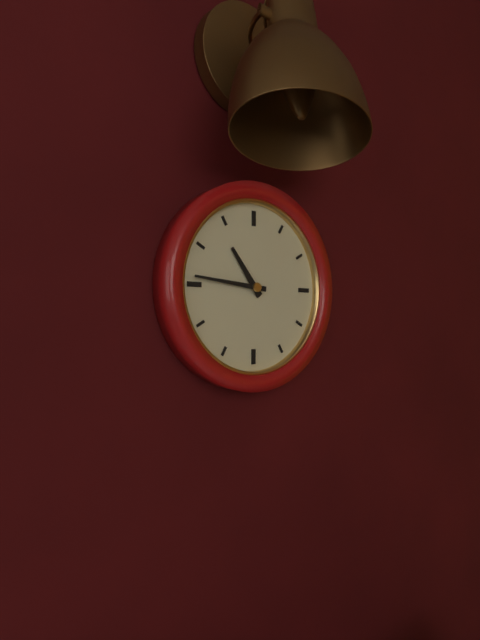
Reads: 10 h 46 min
